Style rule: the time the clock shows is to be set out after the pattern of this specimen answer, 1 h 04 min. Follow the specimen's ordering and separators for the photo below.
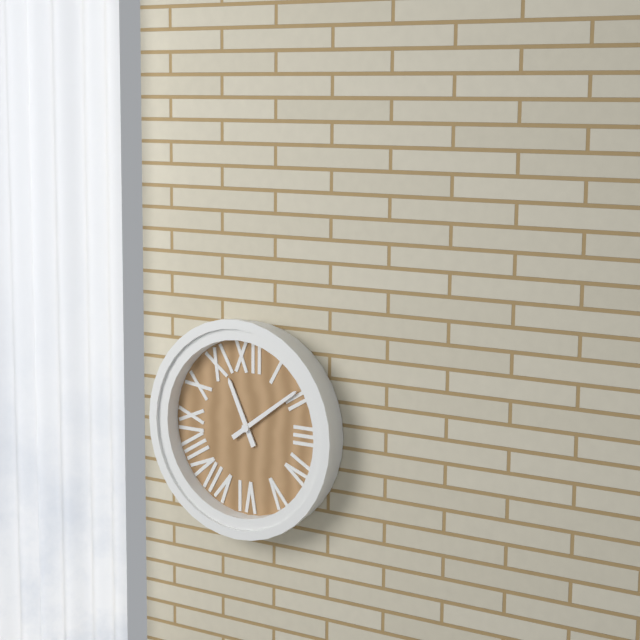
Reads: 11 h 09 min
